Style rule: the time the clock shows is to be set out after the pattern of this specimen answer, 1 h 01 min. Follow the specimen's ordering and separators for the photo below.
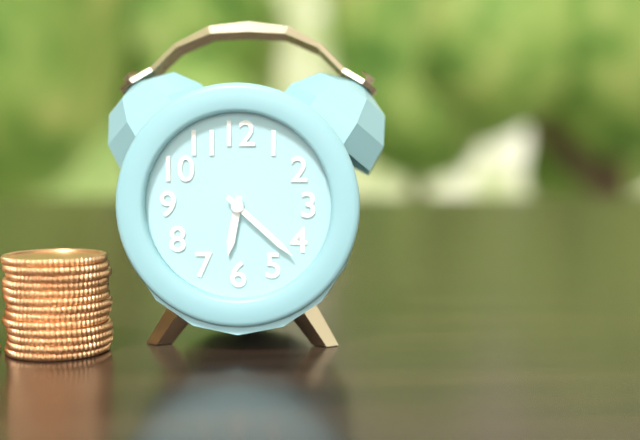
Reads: 6 h 22 min
